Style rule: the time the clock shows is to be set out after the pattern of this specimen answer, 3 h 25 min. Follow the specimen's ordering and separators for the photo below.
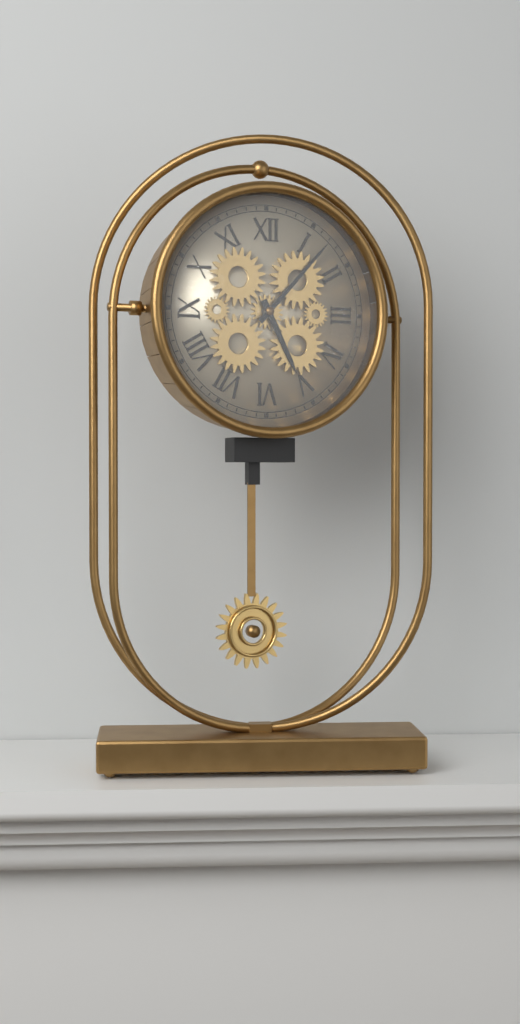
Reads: 5 h 07 min
